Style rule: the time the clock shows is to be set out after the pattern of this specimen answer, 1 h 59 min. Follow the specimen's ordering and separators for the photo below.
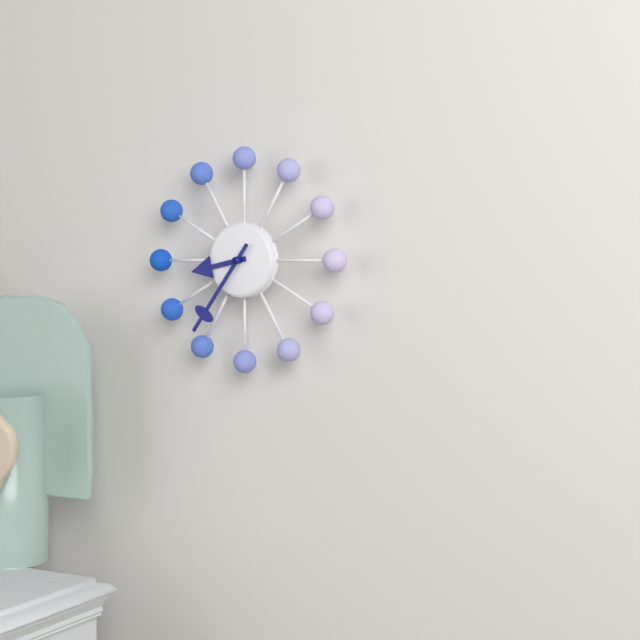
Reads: 8 h 36 min
